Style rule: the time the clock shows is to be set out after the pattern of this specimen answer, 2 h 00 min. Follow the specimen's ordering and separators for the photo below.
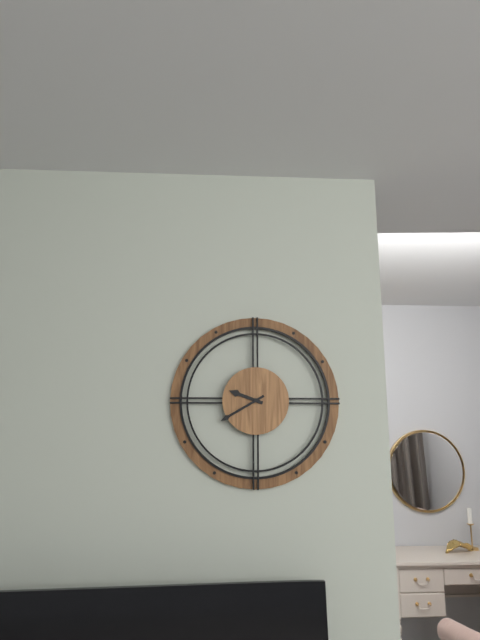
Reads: 9 h 40 min
